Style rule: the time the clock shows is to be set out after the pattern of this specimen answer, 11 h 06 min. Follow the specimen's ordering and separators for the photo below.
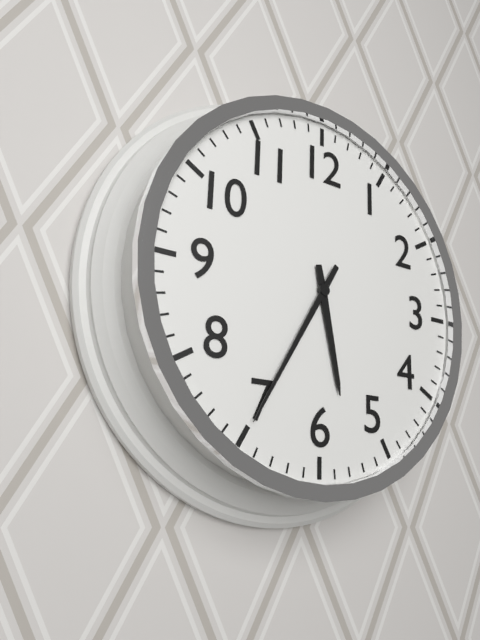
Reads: 5 h 35 min
